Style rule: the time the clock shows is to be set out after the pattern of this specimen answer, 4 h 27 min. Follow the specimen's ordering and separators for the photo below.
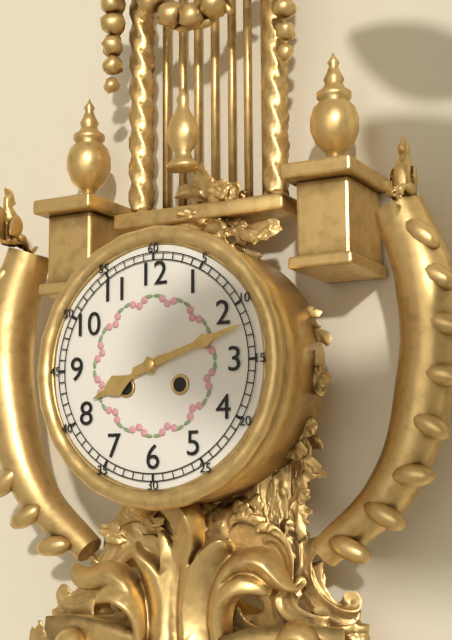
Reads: 8 h 12 min
